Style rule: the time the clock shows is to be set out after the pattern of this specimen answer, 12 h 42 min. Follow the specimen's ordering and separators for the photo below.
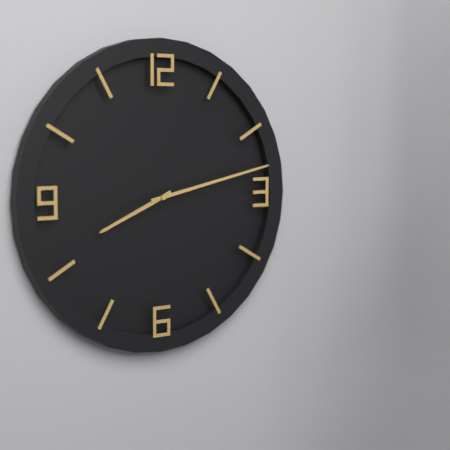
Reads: 8 h 13 min
